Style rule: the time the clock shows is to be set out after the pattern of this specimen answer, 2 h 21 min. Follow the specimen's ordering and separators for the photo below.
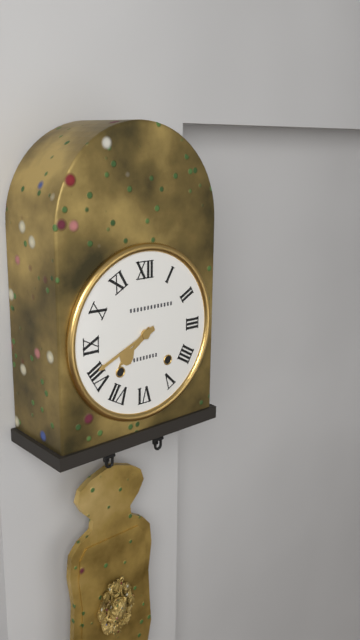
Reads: 7 h 41 min
